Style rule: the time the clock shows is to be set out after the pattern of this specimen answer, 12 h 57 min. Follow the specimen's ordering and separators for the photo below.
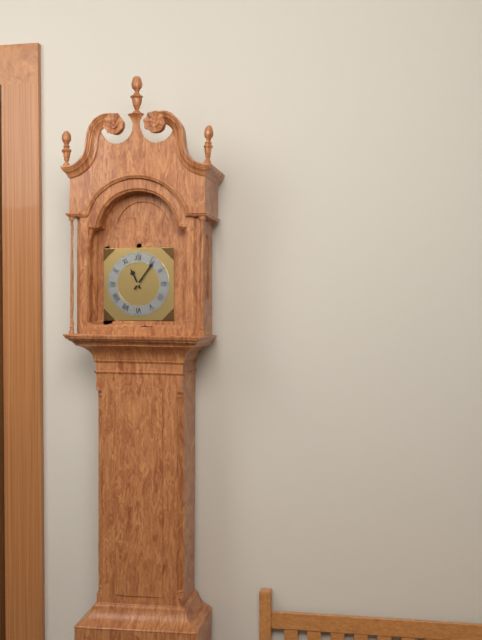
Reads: 11 h 06 min
